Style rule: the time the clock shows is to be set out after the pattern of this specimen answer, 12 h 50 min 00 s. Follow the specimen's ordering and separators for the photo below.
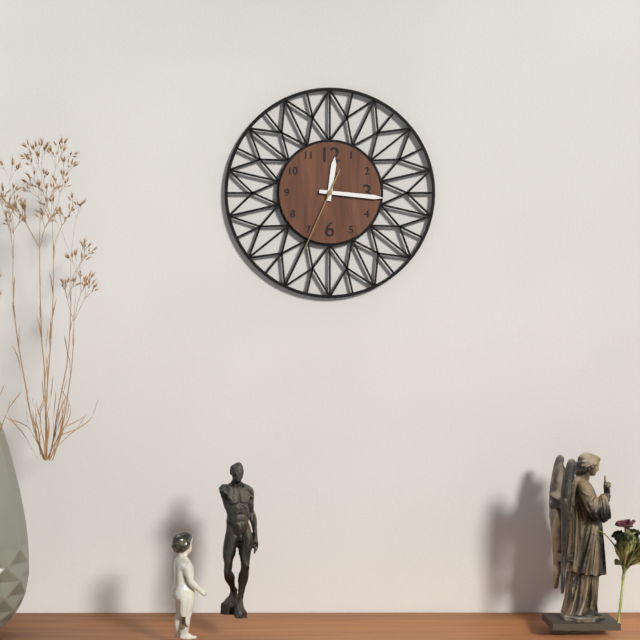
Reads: 12 h 16 min 34 s
